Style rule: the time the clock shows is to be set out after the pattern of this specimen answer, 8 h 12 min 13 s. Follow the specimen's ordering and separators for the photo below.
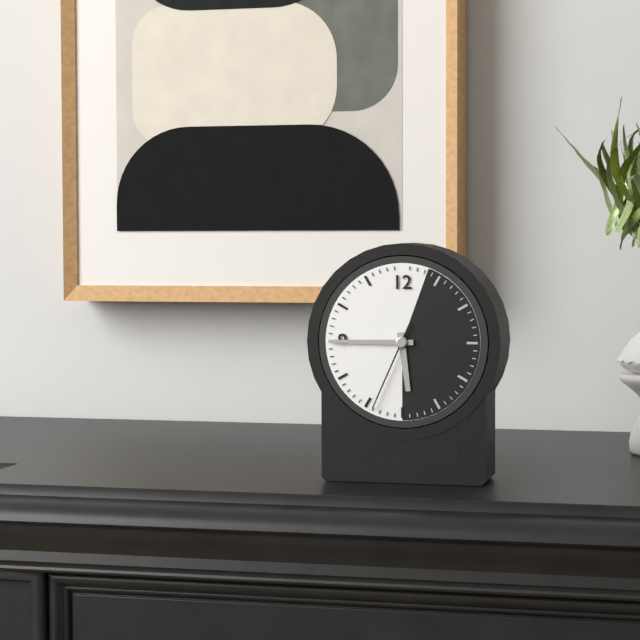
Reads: 5 h 45 min 34 s
